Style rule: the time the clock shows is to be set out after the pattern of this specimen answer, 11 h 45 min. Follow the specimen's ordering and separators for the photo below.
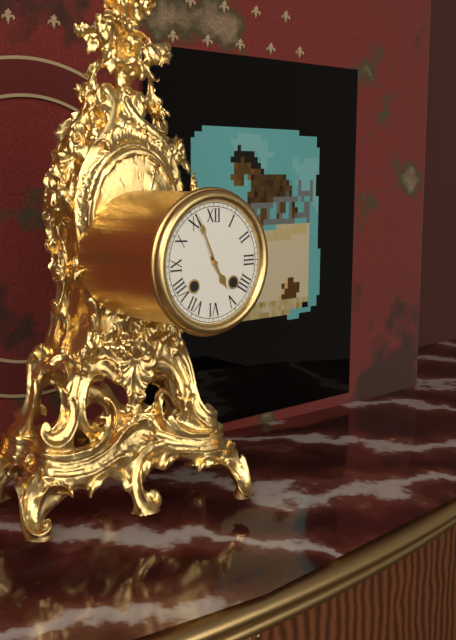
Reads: 4 h 56 min
